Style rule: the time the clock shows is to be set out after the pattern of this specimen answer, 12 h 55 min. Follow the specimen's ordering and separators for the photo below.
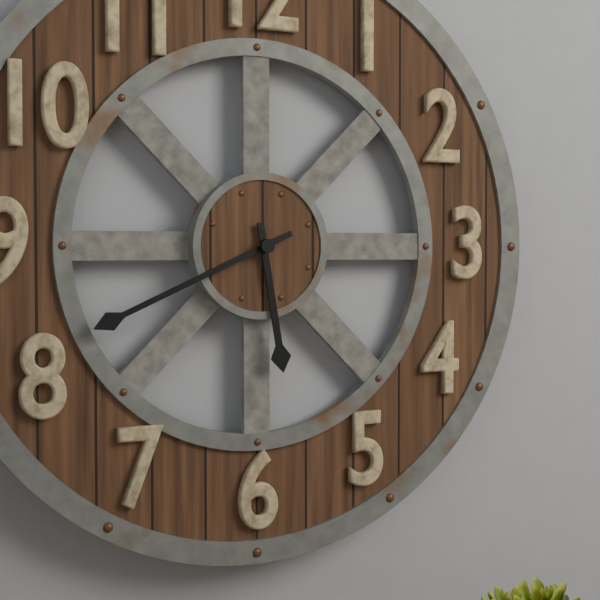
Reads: 5 h 41 min
